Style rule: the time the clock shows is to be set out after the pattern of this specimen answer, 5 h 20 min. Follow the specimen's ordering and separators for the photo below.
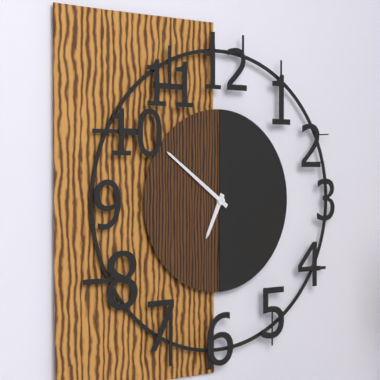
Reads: 6 h 51 min
